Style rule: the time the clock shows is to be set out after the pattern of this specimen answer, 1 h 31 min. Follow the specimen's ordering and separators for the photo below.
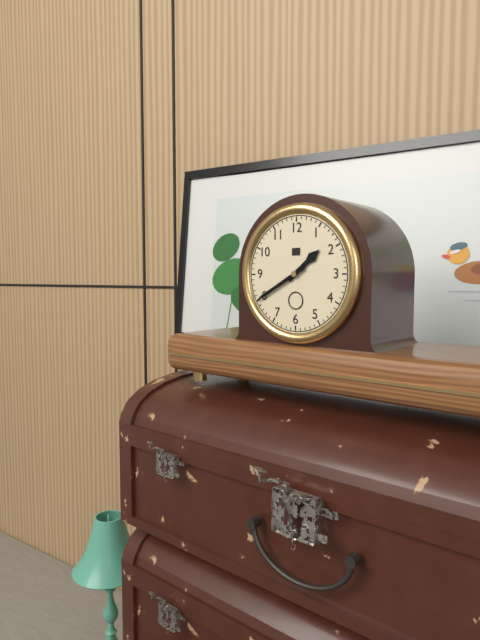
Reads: 1 h 40 min
